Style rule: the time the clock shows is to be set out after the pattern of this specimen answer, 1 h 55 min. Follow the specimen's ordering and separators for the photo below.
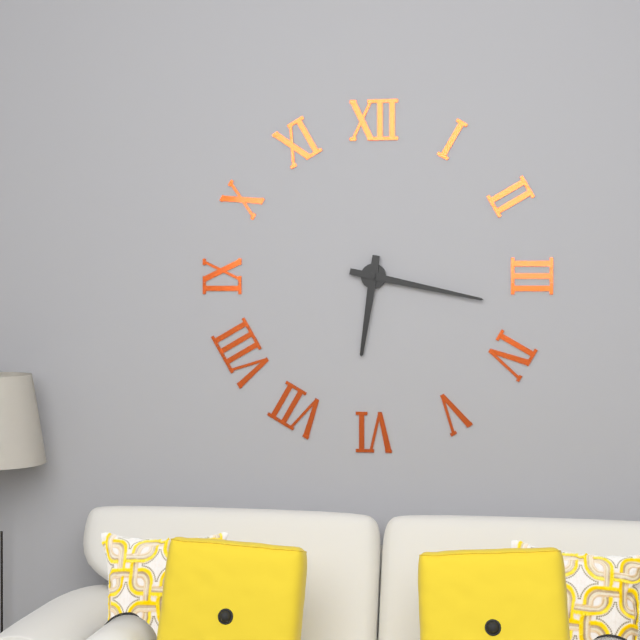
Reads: 6 h 17 min
